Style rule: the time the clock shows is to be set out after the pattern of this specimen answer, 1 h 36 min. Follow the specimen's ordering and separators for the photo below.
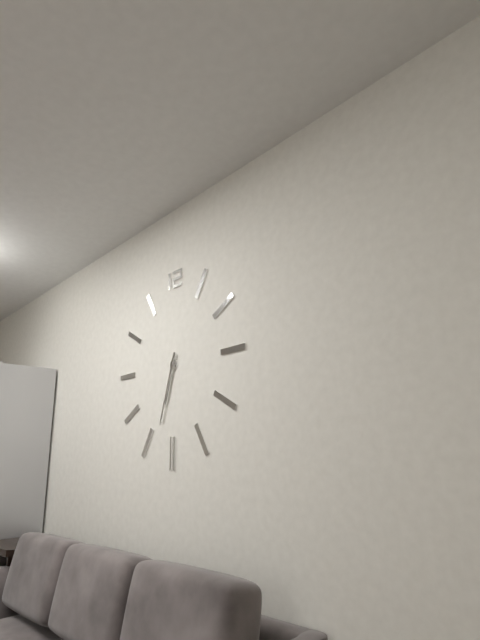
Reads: 6 h 33 min
